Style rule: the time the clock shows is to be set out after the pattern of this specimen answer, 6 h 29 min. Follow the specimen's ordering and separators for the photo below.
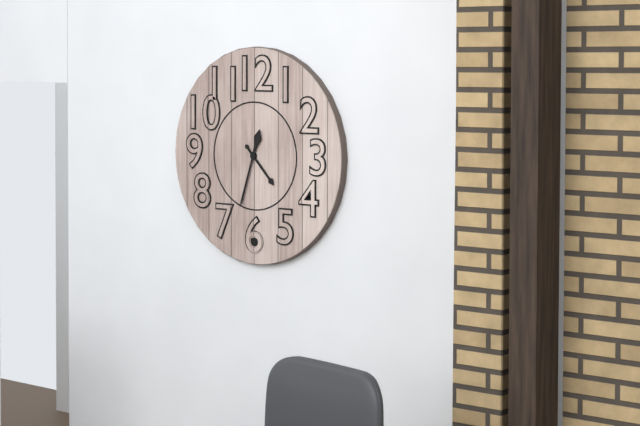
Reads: 4 h 33 min
